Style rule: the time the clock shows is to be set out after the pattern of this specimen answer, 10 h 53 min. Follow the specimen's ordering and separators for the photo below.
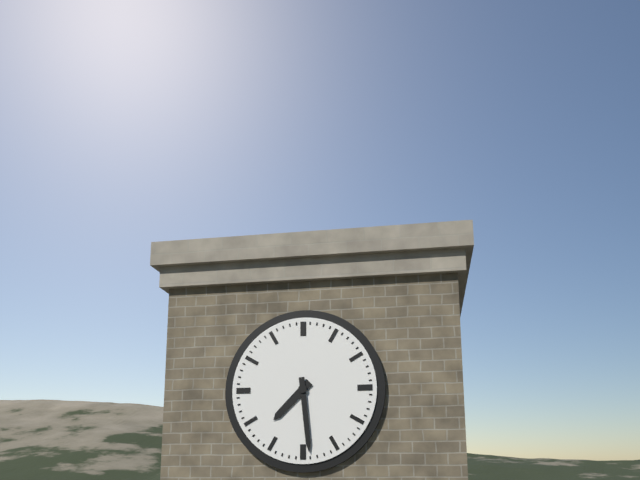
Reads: 7 h 29 min
